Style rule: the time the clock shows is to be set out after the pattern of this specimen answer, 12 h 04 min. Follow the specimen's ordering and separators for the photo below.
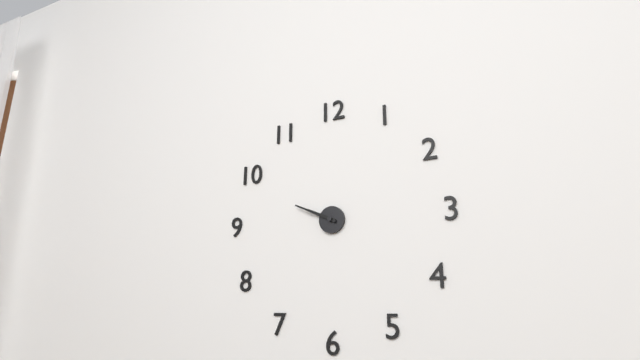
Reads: 9 h 49 min
